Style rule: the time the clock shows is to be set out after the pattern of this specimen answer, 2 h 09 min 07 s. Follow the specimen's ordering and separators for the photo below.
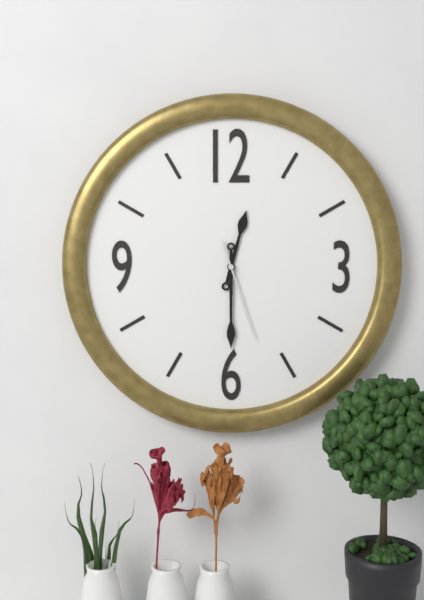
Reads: 12 h 30 min 27 s
